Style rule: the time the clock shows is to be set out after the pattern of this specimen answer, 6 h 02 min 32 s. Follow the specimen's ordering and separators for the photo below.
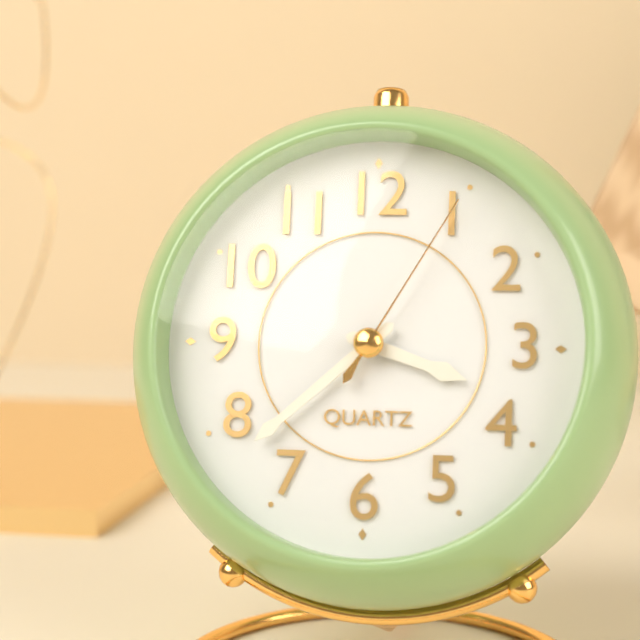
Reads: 3 h 38 min 05 s
